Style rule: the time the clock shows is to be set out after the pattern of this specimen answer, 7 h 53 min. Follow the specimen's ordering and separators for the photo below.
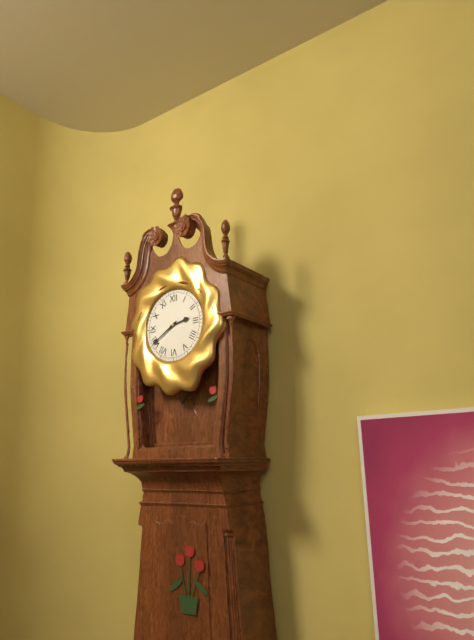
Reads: 2 h 40 min
